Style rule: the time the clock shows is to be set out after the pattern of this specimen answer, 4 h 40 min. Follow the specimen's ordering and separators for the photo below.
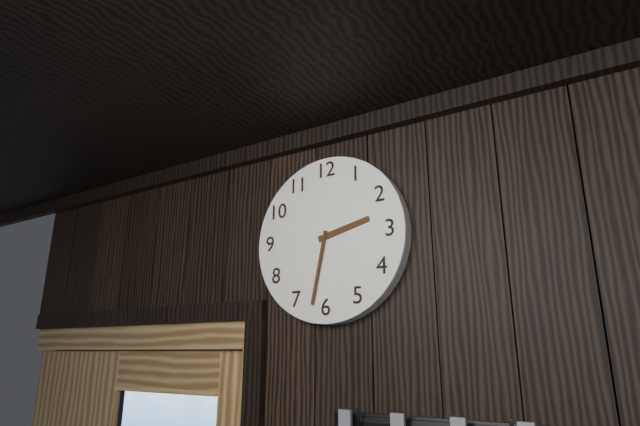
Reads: 2 h 32 min
